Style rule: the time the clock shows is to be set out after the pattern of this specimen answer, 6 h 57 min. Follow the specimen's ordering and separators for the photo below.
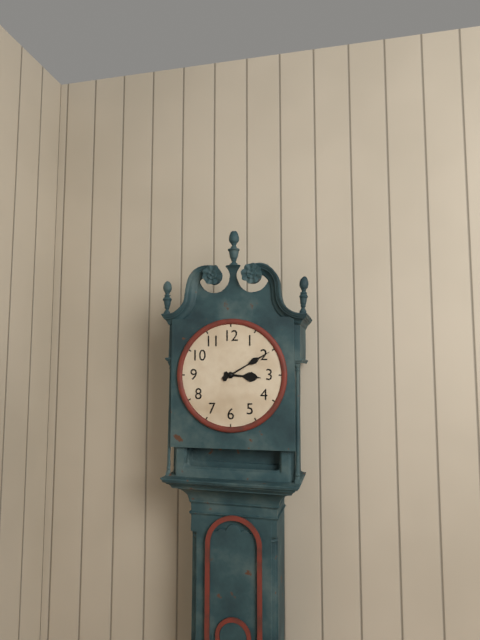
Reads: 3 h 10 min
